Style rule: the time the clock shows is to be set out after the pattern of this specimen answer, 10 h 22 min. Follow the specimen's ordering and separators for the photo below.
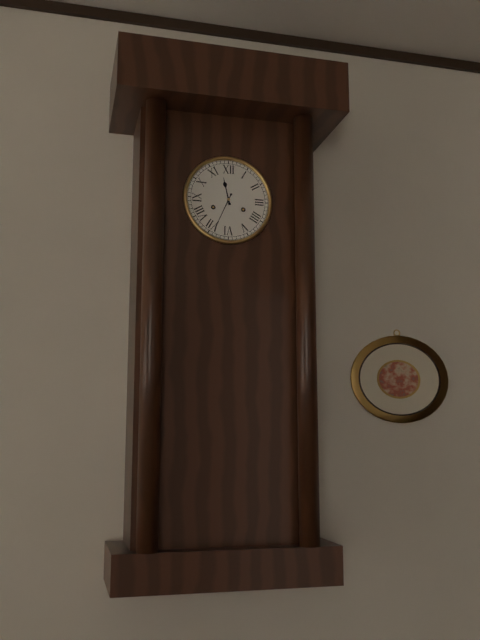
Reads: 11 h 34 min
